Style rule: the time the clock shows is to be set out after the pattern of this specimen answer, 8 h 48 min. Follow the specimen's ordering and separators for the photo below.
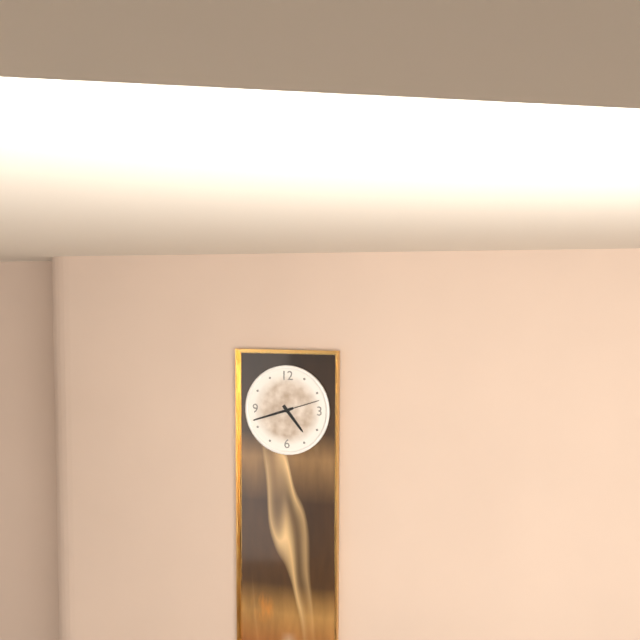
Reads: 4 h 42 min
